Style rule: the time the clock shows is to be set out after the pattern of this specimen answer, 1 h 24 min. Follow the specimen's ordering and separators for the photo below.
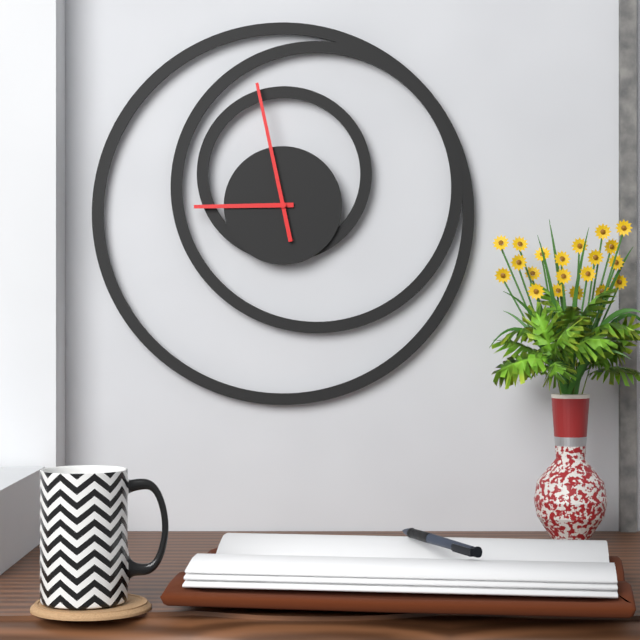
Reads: 8 h 58 min
